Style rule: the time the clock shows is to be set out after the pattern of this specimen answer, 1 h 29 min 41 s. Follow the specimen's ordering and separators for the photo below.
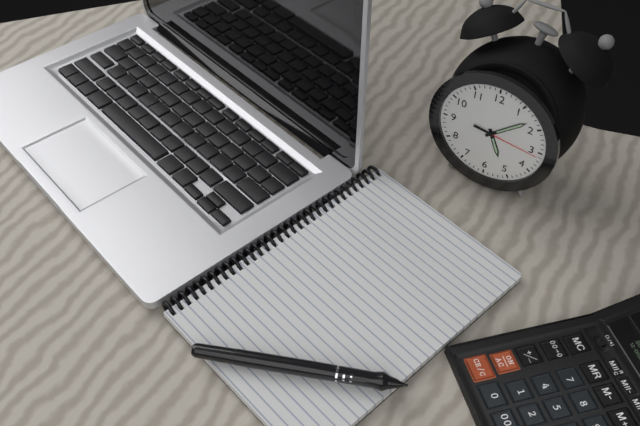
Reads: 5 h 08 min 16 s
